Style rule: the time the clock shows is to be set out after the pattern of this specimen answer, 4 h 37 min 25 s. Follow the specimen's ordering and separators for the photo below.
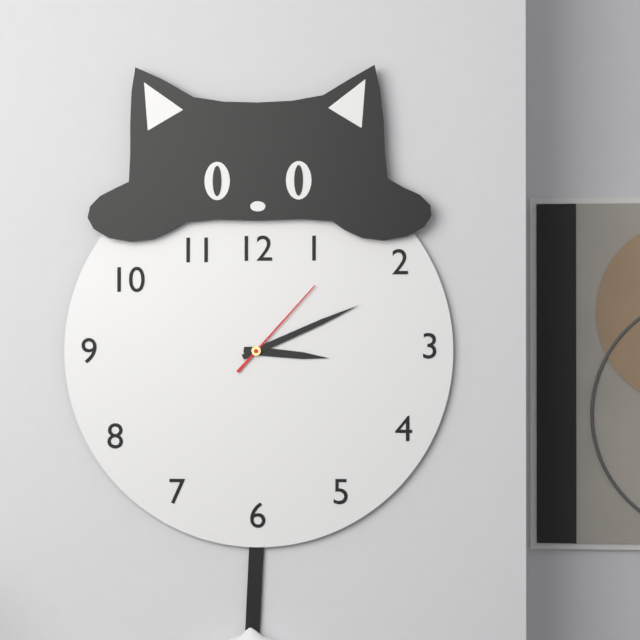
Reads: 3 h 11 min 07 s
